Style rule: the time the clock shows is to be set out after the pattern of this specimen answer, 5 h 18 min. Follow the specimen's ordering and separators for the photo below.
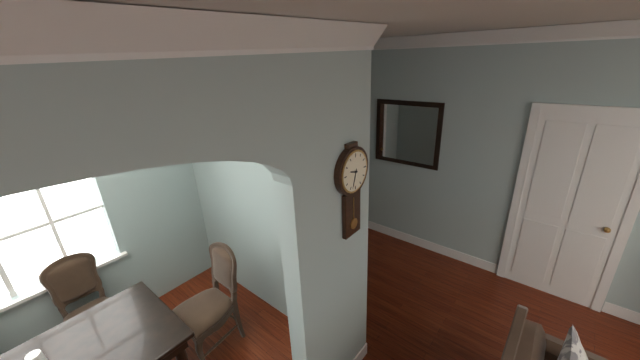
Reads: 9 h 33 min
